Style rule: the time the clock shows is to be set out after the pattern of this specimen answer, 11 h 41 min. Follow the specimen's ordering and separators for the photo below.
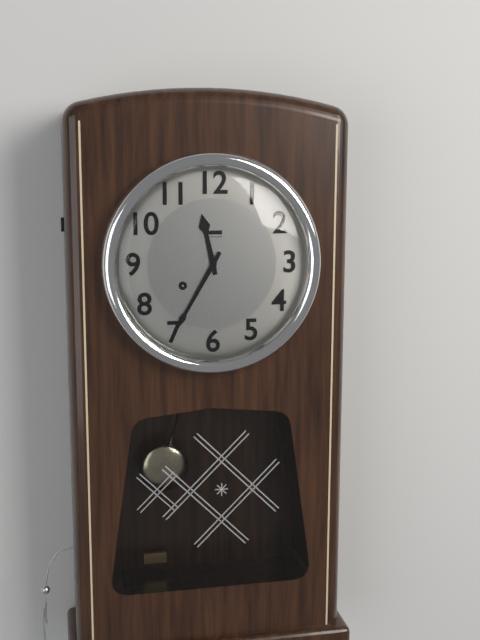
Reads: 11 h 35 min
